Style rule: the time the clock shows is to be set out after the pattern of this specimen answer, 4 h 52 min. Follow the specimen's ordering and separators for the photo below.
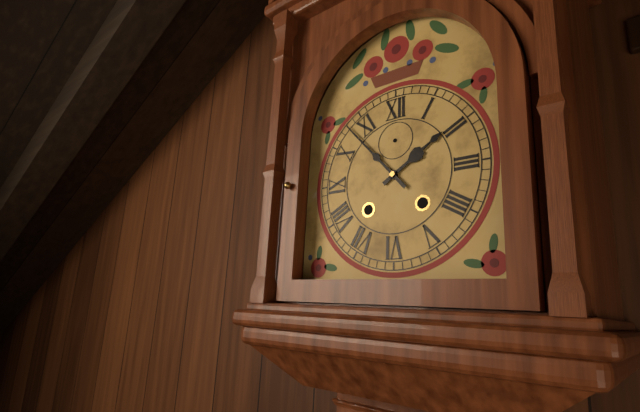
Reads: 1 h 53 min
